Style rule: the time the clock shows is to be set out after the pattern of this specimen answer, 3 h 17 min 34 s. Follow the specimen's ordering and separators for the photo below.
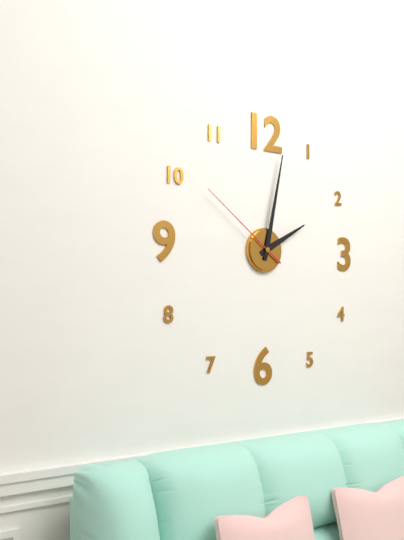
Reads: 2 h 02 min 51 s
